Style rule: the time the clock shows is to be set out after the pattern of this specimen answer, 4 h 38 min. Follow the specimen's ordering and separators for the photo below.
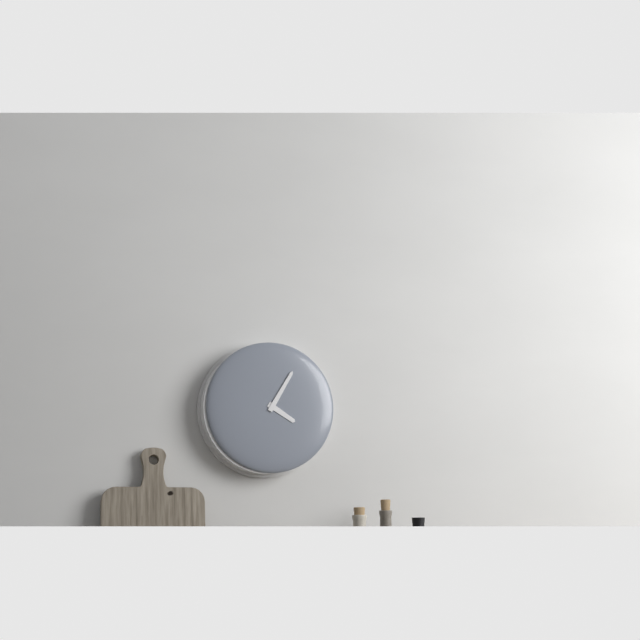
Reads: 4 h 05 min
